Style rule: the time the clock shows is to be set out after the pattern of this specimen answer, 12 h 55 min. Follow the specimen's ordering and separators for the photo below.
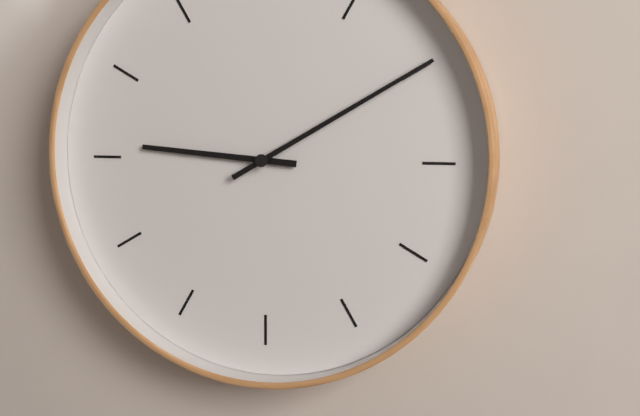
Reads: 9 h 10 min
